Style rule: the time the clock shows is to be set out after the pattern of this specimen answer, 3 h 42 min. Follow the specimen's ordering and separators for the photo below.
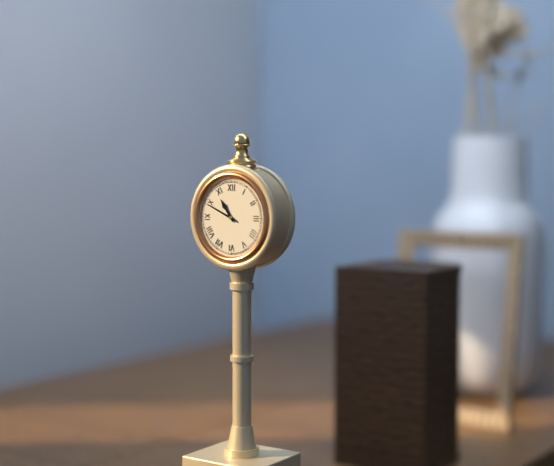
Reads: 10 h 49 min
